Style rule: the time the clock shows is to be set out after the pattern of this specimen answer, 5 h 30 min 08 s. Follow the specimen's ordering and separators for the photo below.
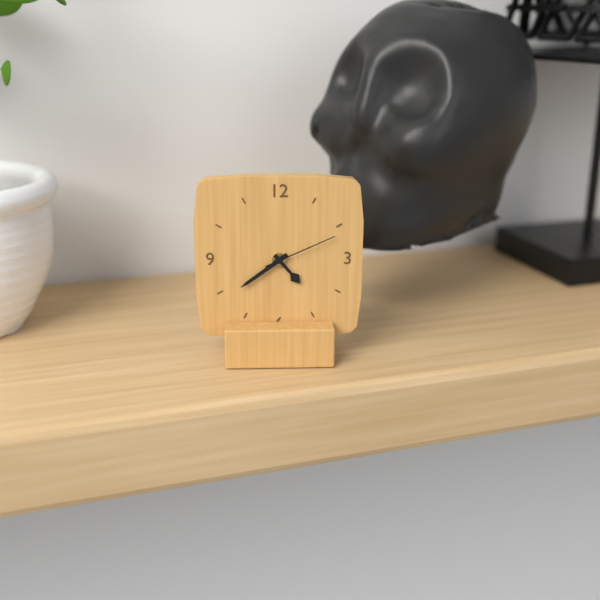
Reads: 4 h 39 min 11 s
